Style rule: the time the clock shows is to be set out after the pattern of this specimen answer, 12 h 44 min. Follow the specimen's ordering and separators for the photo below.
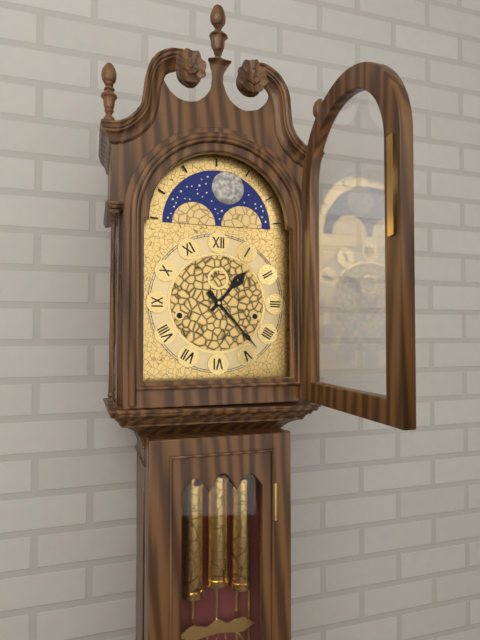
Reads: 1 h 23 min
